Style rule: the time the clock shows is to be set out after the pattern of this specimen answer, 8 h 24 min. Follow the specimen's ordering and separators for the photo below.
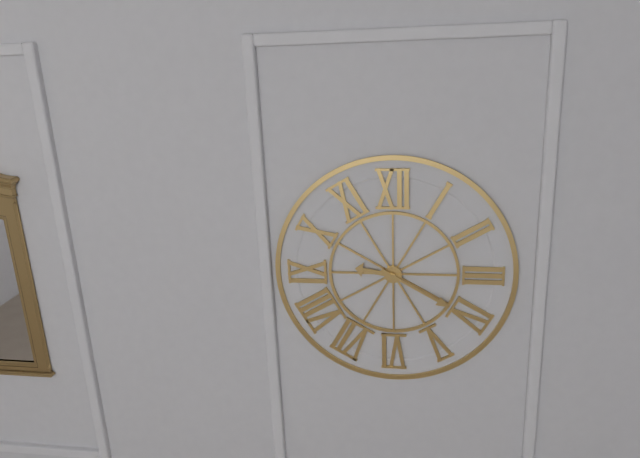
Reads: 9 h 20 min
